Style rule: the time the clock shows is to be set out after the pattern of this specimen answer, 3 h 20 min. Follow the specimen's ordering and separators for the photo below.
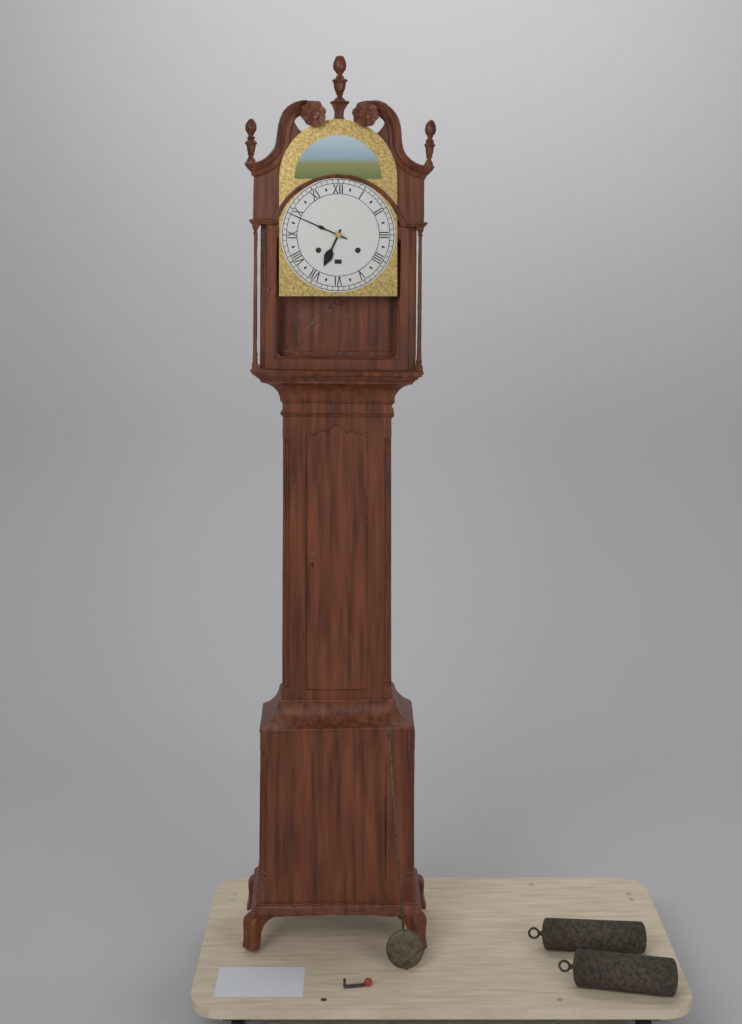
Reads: 6 h 49 min
